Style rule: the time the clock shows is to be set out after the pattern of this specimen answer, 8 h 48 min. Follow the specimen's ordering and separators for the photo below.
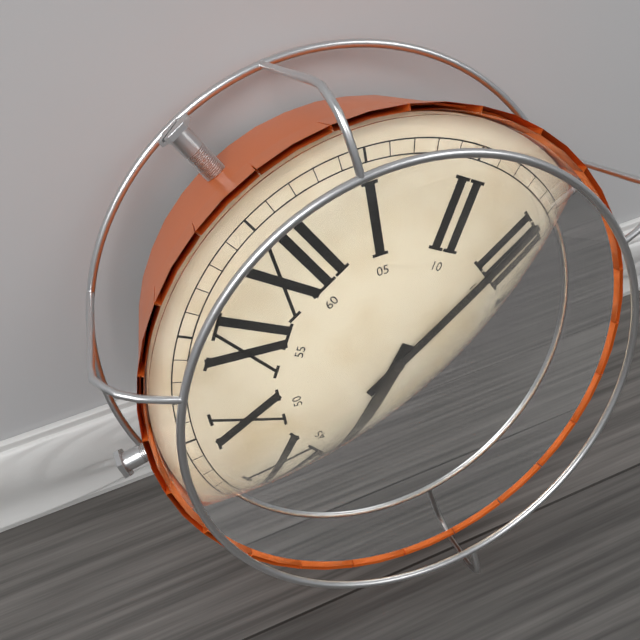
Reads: 8 h 15 min
